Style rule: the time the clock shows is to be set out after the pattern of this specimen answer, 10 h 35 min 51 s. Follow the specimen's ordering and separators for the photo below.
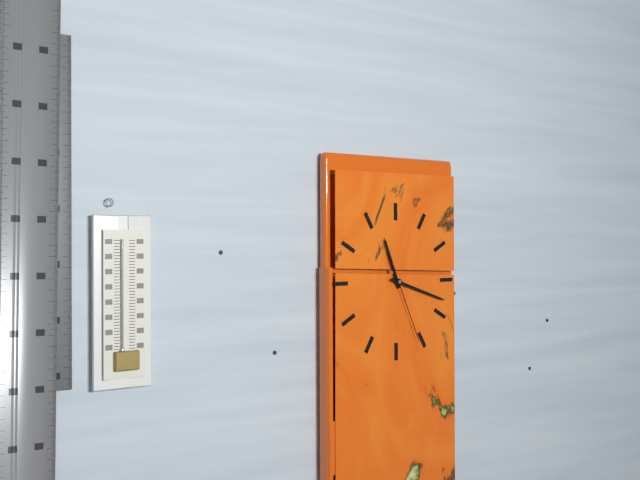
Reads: 11 h 18 min 26 s
